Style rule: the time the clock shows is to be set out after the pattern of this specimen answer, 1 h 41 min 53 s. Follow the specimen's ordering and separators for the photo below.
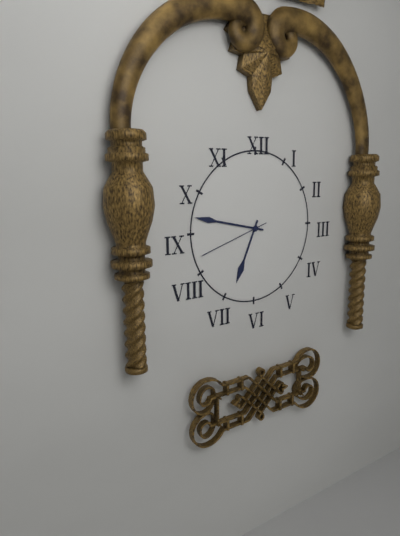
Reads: 6 h 47 min 42 s
